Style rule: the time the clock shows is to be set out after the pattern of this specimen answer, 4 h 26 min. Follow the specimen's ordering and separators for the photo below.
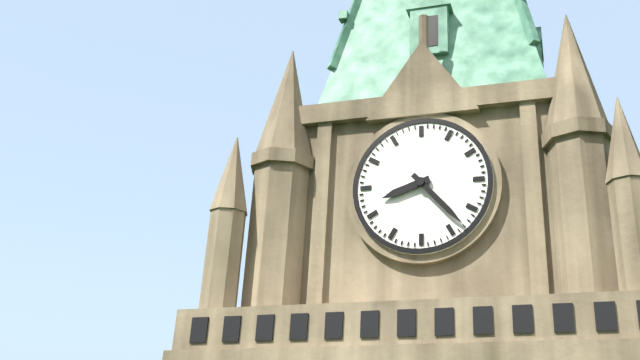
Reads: 8 h 23 min
